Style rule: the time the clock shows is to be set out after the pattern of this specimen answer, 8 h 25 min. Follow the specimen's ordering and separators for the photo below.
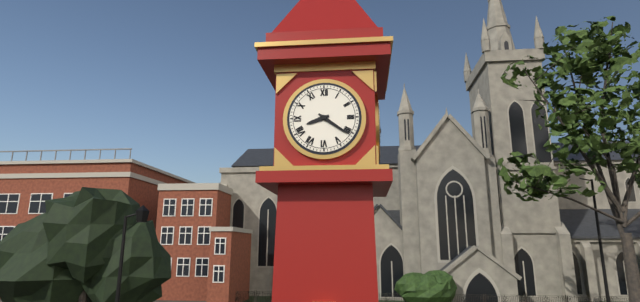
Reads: 8 h 21 min
